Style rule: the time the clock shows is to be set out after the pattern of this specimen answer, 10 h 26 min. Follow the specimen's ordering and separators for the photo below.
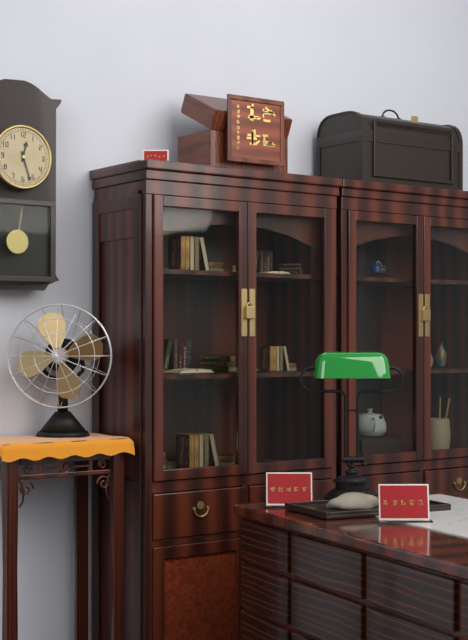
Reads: 12 h 27 min
